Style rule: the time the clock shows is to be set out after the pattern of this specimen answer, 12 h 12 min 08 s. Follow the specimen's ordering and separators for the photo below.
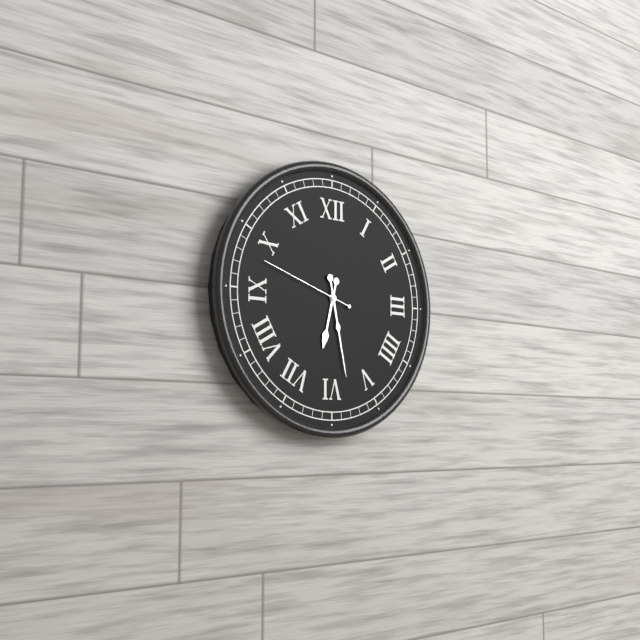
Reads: 6 h 28 min 48 s
